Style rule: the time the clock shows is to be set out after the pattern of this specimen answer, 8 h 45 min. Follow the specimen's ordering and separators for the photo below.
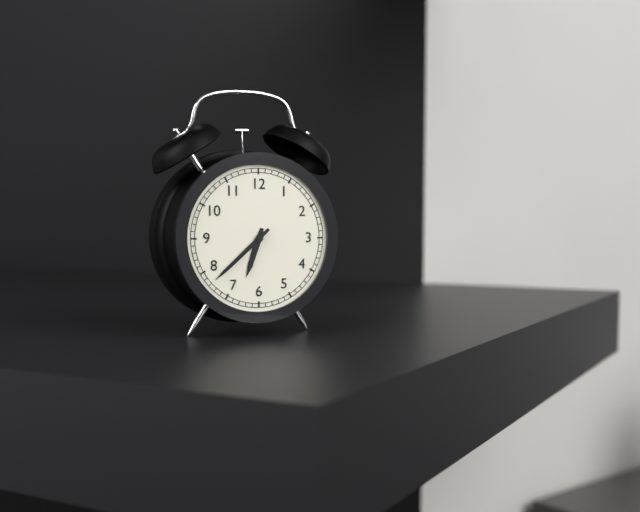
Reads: 6 h 38 min
